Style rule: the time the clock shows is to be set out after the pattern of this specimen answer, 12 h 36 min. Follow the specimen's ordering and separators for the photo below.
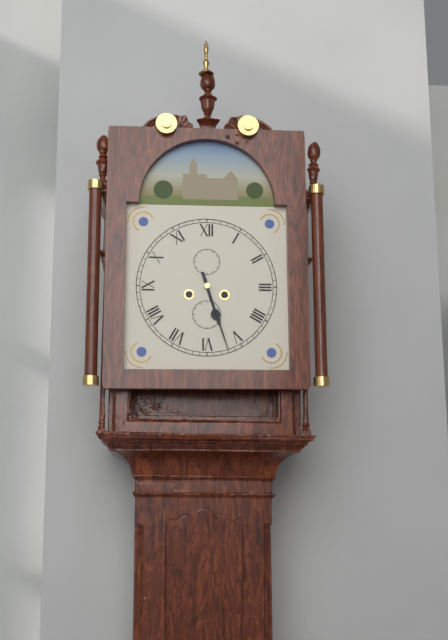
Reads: 5 h 27 min
